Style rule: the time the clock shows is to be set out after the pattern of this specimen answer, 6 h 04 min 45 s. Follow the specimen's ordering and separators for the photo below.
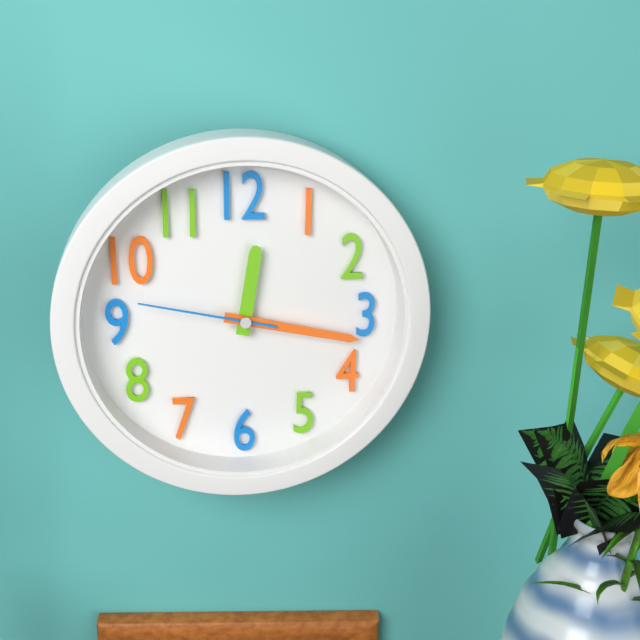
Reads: 12 h 17 min 47 s
